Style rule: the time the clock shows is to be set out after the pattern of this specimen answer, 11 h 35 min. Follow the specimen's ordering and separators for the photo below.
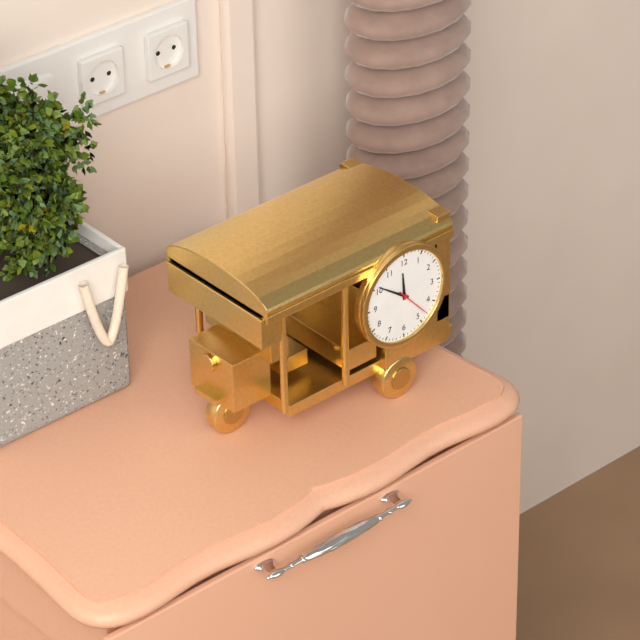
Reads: 11 h 51 min
